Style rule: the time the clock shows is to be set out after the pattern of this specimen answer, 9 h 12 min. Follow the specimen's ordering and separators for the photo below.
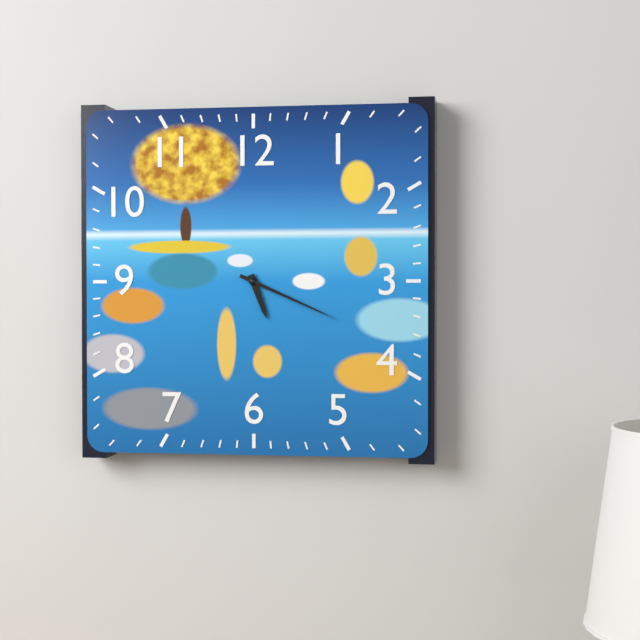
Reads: 5 h 19 min
